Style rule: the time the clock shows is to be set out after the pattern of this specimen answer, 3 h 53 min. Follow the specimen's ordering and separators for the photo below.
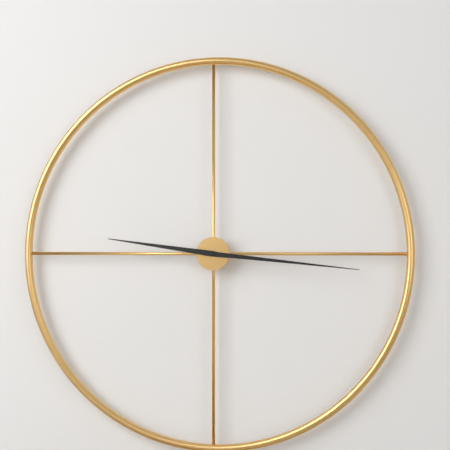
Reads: 9 h 16 min
